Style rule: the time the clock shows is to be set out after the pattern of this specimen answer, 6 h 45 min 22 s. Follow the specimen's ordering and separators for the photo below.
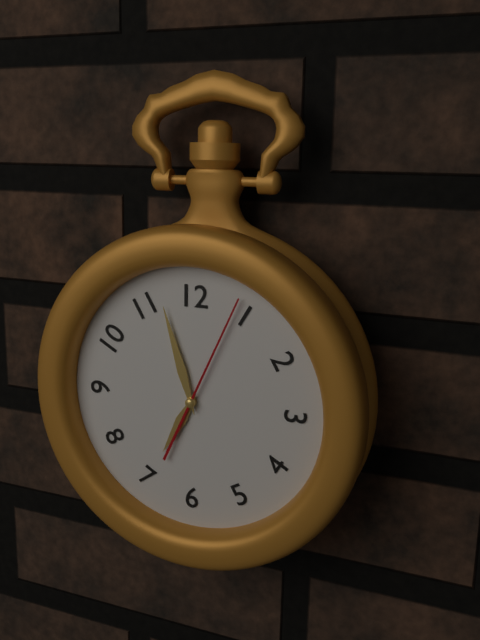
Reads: 6 h 57 min 04 s
